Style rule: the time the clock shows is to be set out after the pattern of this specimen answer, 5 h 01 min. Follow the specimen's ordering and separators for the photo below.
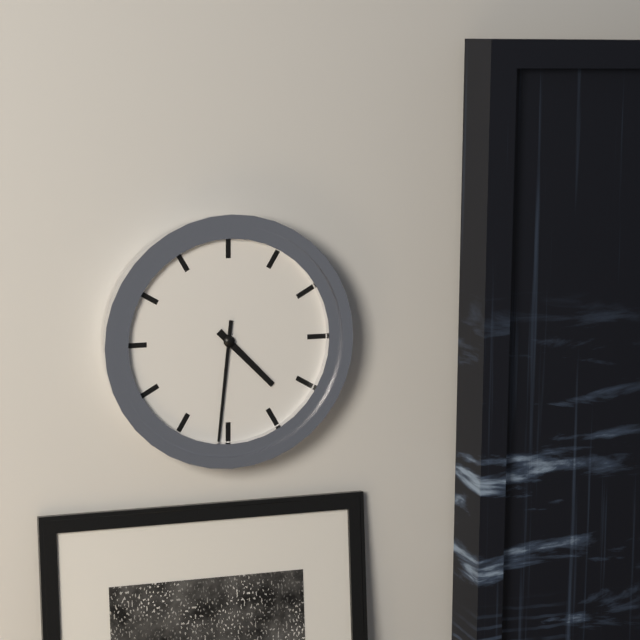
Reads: 4 h 31 min
